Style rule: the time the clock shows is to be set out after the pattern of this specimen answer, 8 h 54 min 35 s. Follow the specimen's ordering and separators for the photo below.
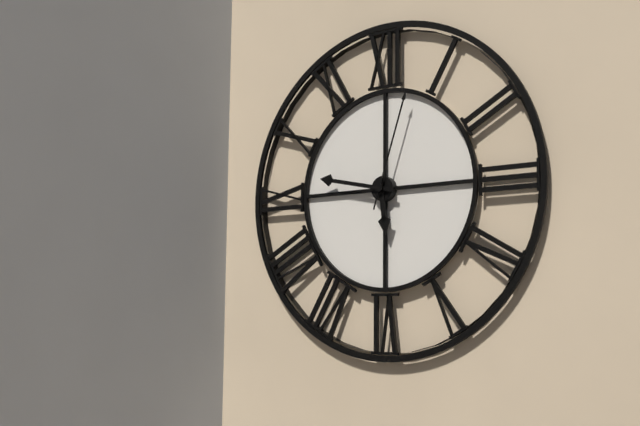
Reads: 5 h 47 min 03 s
